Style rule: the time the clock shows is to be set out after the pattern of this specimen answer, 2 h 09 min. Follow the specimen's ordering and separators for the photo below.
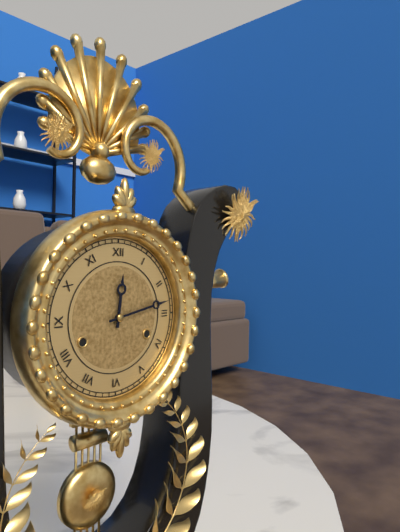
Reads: 12 h 13 min
